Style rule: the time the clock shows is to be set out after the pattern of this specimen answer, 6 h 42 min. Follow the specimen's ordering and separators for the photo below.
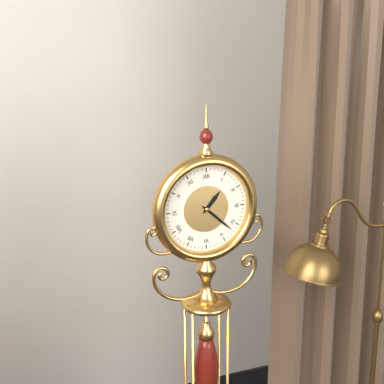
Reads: 1 h 22 min
